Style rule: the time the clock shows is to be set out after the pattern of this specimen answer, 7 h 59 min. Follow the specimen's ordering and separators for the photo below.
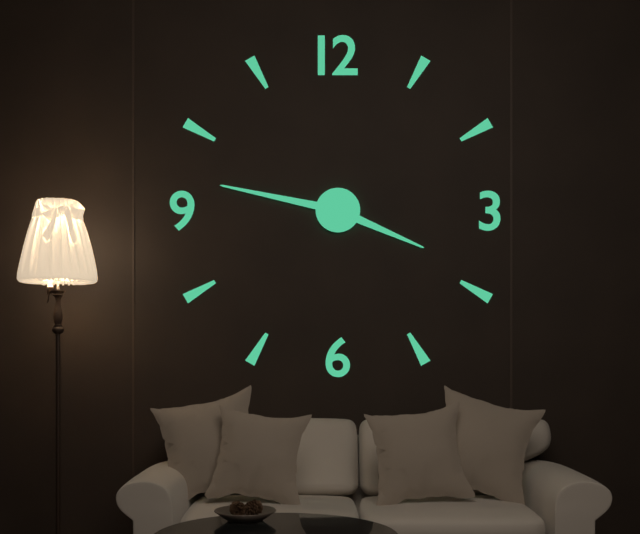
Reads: 3 h 47 min
